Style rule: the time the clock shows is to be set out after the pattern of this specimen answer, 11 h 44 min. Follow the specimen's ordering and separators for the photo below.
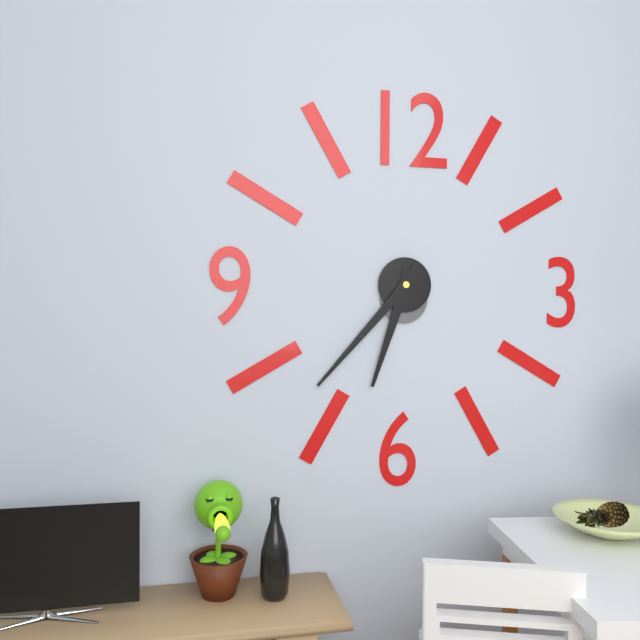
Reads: 6 h 37 min
